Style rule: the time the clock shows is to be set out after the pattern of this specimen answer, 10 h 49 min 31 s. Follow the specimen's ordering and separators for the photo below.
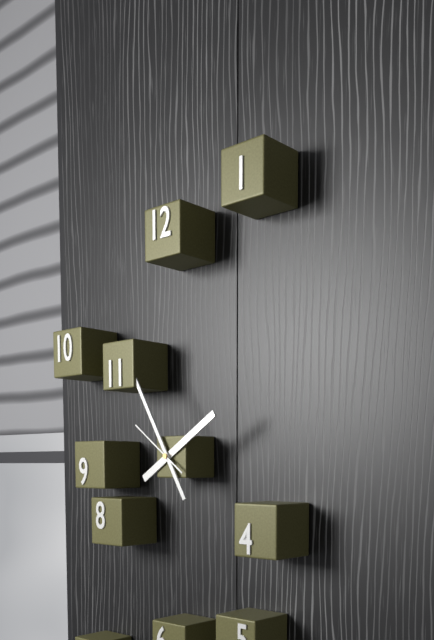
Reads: 1 h 55 min 51 s
